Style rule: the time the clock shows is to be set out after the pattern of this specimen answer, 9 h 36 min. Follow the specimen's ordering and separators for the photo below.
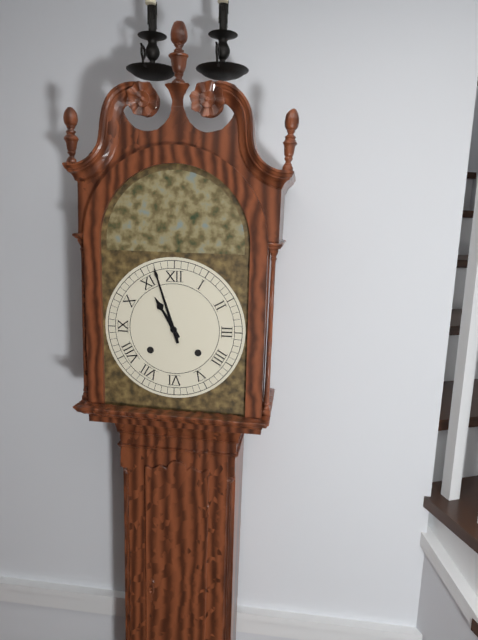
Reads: 10 h 57 min
